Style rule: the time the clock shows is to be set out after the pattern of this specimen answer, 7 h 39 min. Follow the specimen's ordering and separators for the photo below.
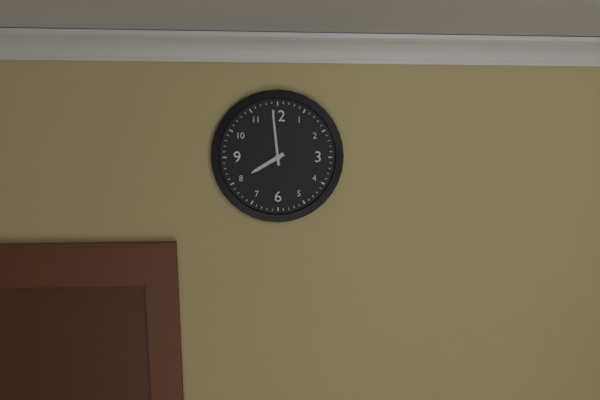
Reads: 7 h 59 min
